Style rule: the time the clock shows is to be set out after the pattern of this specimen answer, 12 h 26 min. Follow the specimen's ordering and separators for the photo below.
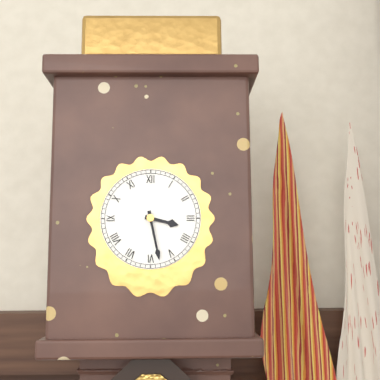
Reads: 3 h 28 min
